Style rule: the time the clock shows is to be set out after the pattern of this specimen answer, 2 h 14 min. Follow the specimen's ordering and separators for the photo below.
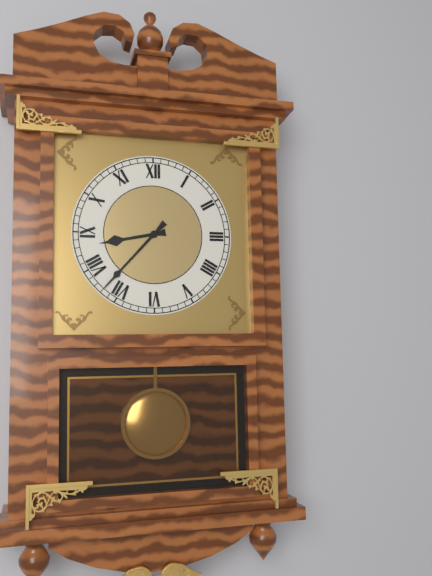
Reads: 8 h 37 min
